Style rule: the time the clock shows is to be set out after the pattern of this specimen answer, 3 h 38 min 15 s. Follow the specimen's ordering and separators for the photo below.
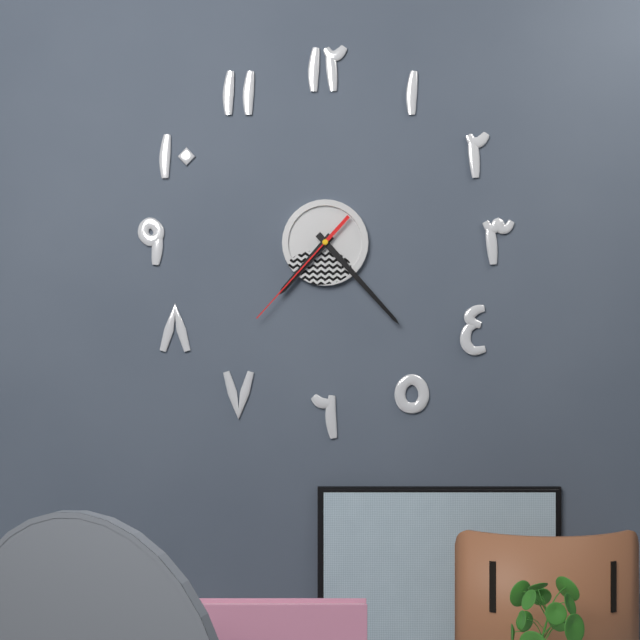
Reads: 7 h 23 min 37 s
